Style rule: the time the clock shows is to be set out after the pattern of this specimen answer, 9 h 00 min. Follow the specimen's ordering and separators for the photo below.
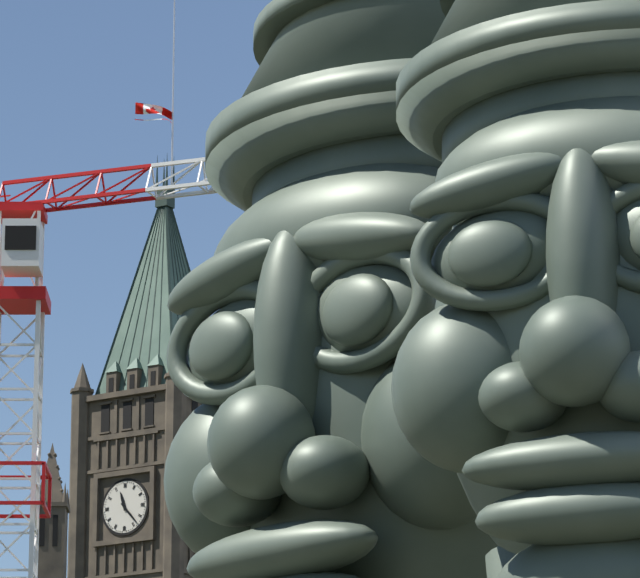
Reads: 11 h 23 min
